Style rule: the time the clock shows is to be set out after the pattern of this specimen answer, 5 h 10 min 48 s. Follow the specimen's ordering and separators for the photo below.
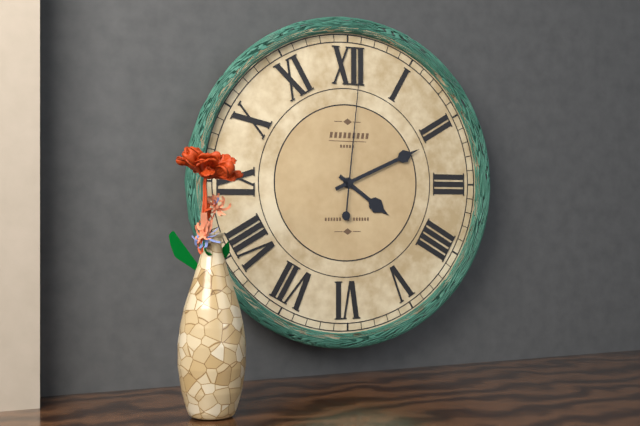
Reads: 4 h 11 min 01 s
